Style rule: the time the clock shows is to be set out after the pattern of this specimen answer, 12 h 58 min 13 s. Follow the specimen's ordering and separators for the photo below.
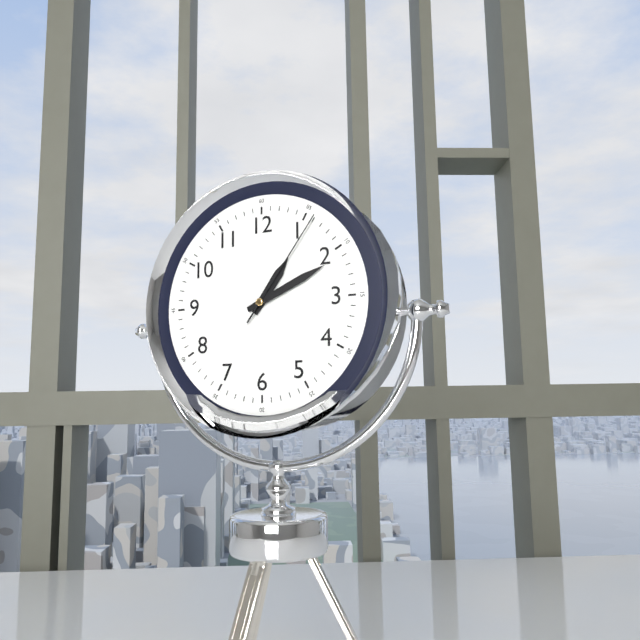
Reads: 1 h 11 min 06 s
